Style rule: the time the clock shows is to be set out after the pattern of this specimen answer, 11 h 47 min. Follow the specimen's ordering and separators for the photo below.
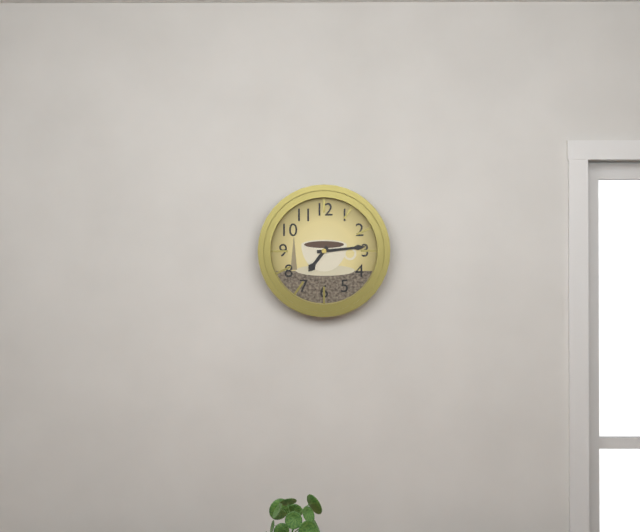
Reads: 7 h 14 min
